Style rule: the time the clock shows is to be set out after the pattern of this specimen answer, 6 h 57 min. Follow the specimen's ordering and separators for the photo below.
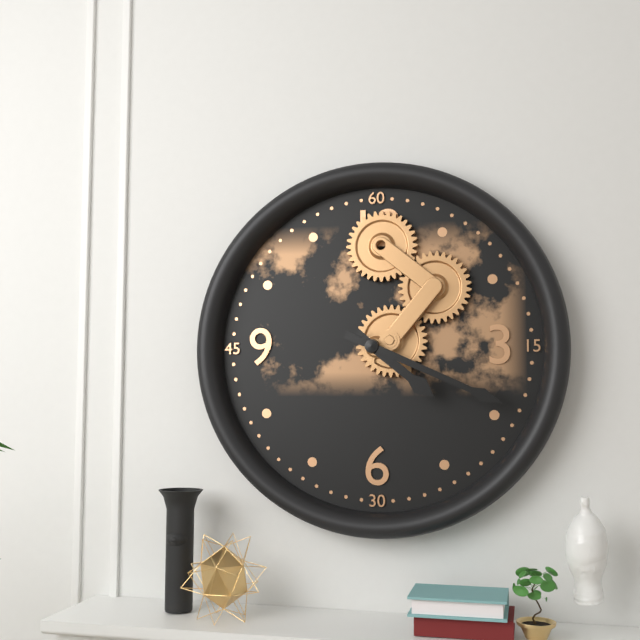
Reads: 4 h 19 min
